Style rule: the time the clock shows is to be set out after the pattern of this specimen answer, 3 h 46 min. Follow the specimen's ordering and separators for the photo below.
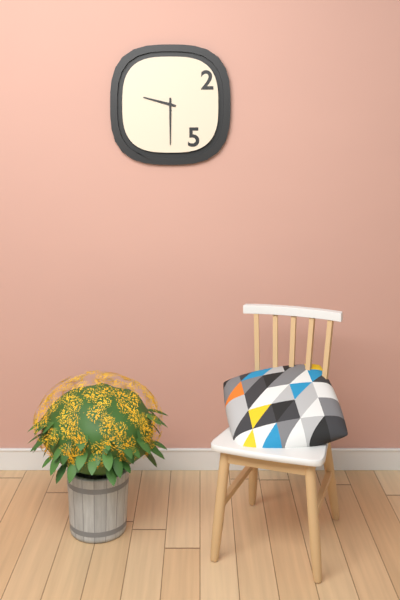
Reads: 9 h 30 min
